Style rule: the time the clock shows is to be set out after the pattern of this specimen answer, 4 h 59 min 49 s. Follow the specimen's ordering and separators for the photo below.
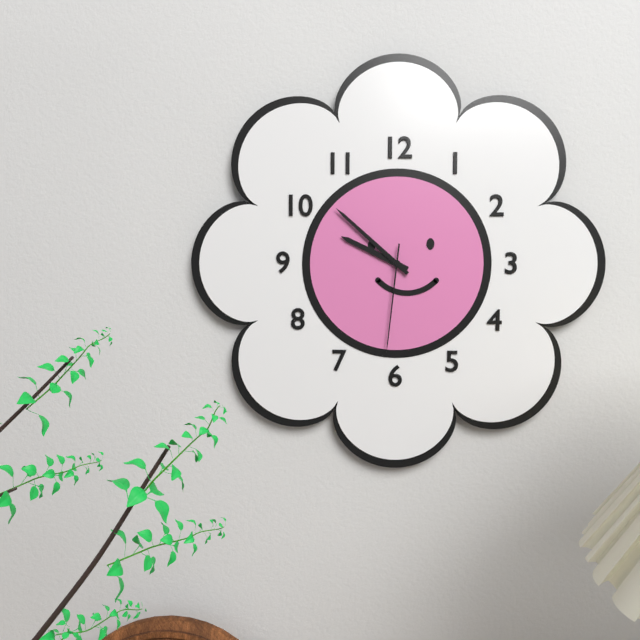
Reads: 9 h 52 min 31 s
